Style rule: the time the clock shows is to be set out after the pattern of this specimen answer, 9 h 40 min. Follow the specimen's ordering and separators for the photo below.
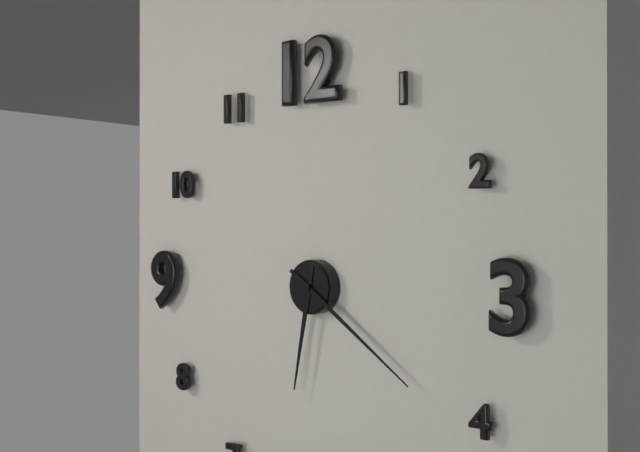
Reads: 6 h 21 min
